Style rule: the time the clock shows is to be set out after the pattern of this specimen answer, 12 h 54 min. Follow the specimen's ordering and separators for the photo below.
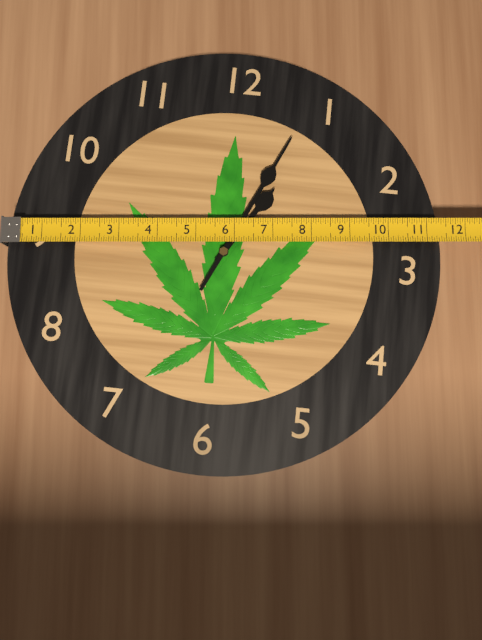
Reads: 1 h 04 min
